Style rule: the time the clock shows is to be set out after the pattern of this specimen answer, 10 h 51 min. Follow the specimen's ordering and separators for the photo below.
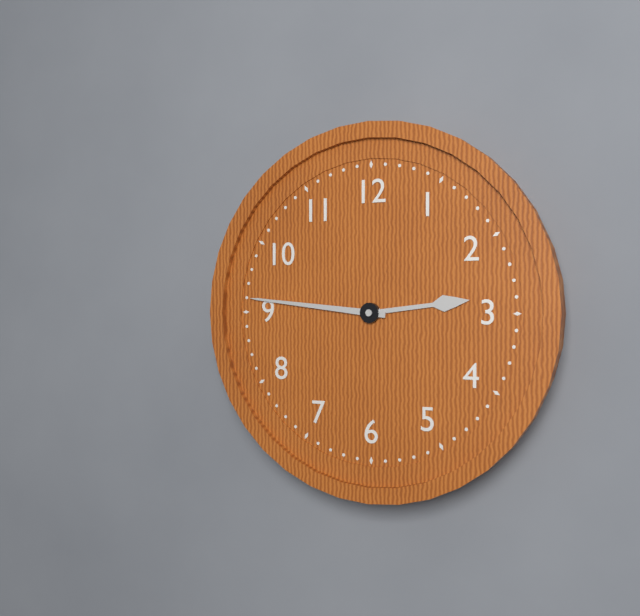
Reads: 2 h 46 min
